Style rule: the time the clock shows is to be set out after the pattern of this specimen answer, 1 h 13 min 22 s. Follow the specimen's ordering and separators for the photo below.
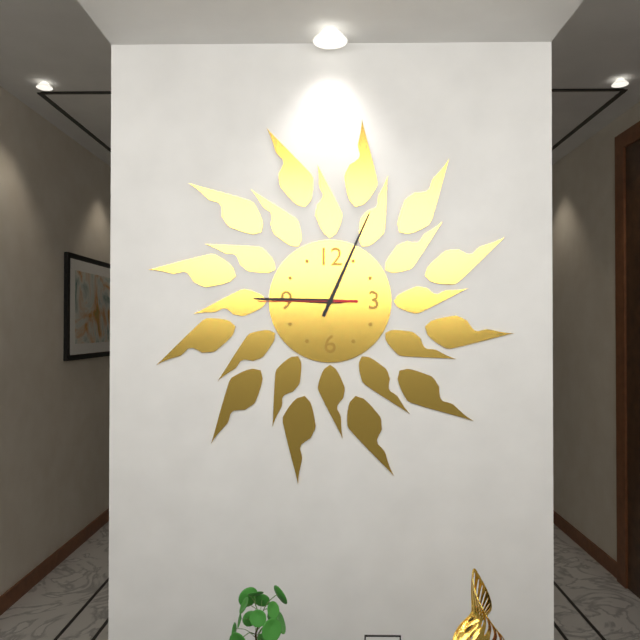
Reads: 9 h 04 min 45 s
